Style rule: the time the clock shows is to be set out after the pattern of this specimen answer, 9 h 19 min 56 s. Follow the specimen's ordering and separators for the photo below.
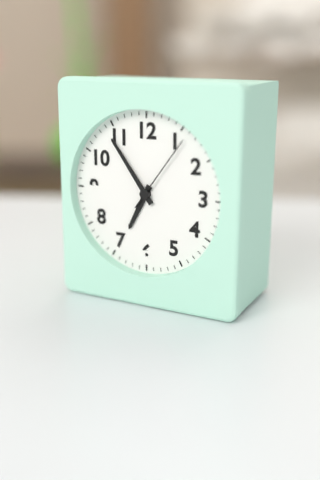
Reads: 6 h 54 min 06 s
